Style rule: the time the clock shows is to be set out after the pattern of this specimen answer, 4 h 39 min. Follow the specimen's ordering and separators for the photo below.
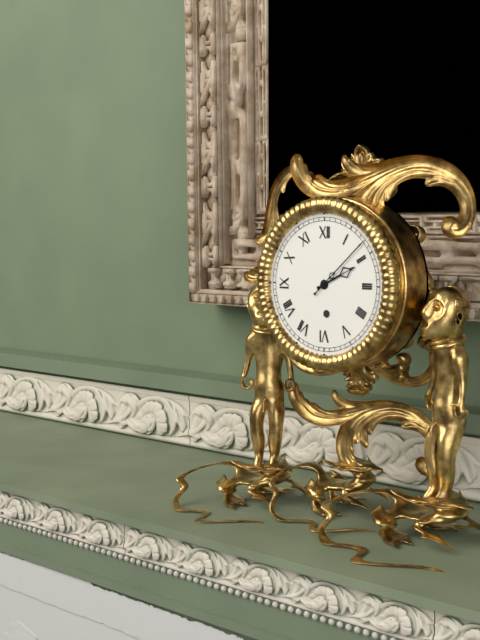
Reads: 2 h 08 min
